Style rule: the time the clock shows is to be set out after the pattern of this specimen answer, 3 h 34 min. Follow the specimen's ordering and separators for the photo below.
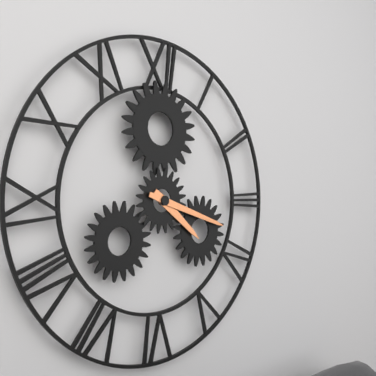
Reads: 4 h 18 min
